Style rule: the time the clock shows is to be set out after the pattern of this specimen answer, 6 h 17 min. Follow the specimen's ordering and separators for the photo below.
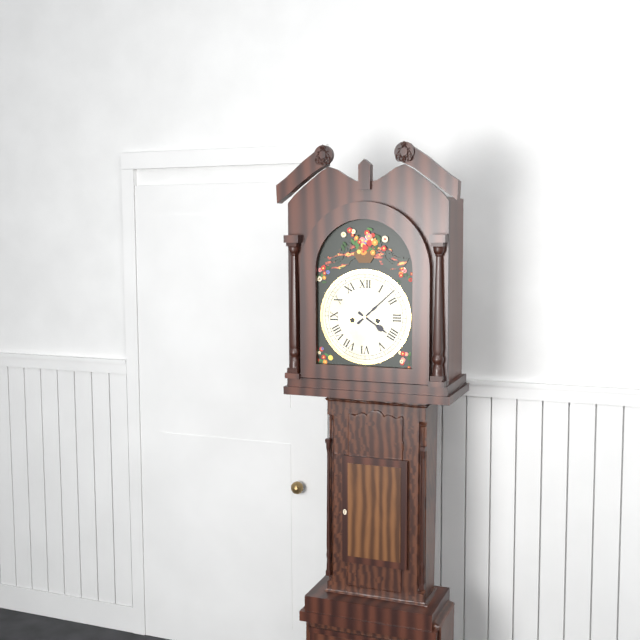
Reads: 4 h 08 min
